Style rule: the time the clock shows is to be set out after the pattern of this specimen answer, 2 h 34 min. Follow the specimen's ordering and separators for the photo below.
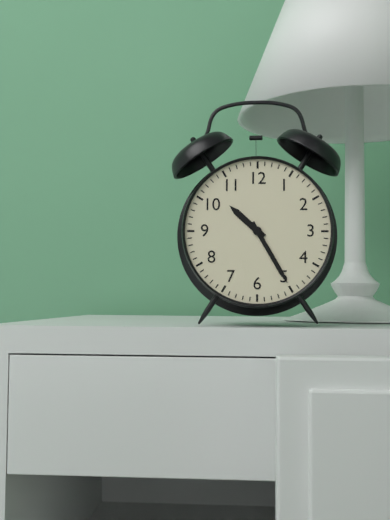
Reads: 10 h 25 min
